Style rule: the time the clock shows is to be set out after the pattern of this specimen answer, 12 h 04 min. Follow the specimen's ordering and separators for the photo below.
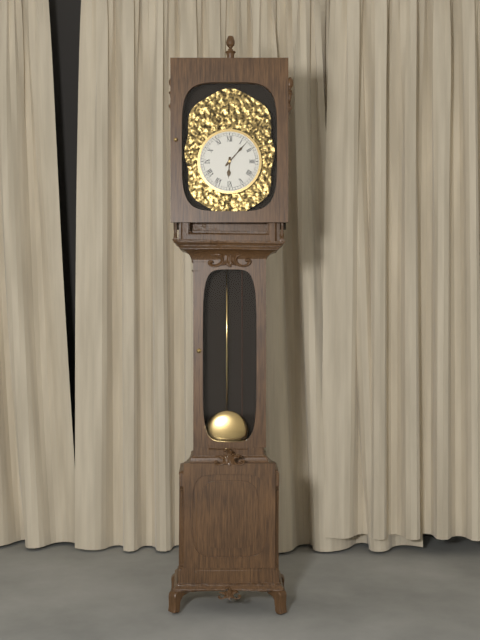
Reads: 6 h 07 min
